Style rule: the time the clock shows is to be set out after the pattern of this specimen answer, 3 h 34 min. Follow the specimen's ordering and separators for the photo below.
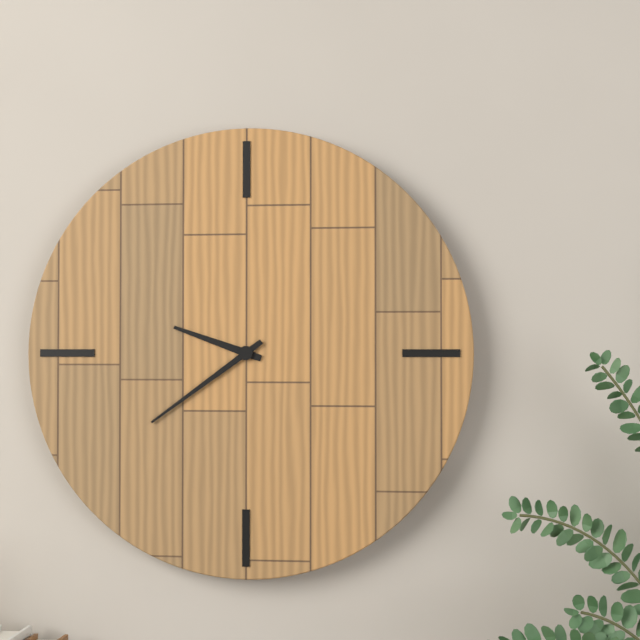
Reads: 9 h 39 min
